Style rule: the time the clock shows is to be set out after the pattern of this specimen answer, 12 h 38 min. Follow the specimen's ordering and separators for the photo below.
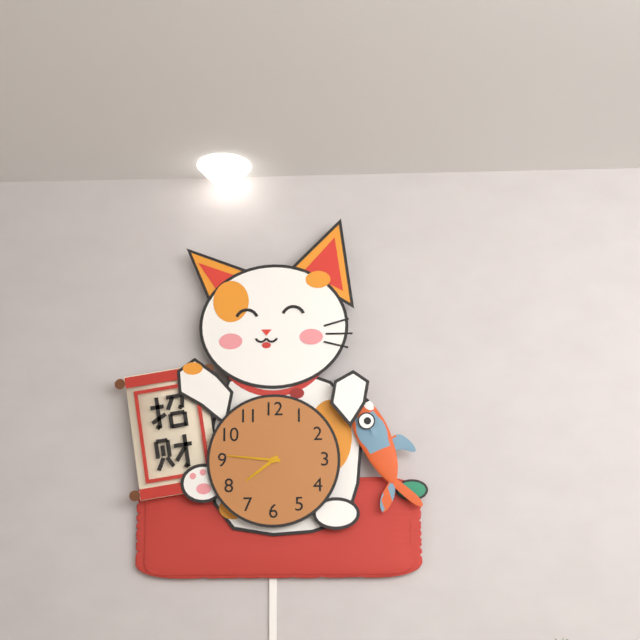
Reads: 7 h 46 min
